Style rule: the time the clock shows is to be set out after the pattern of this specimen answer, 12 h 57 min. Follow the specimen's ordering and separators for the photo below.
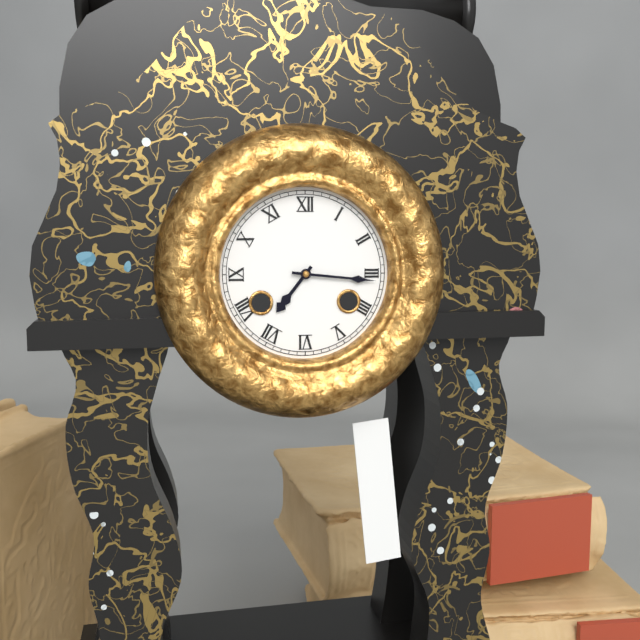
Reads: 7 h 16 min
